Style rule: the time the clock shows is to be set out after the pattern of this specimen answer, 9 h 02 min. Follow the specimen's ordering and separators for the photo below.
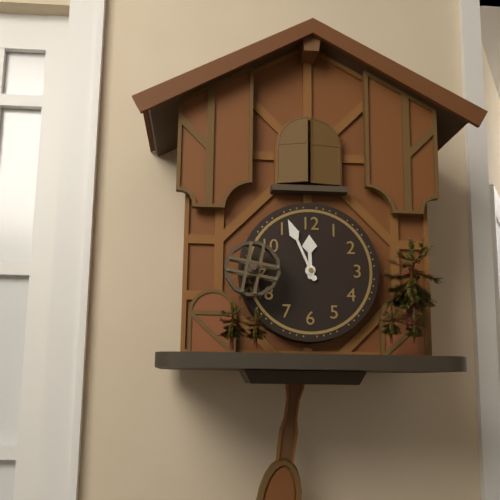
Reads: 11 h 56 min
